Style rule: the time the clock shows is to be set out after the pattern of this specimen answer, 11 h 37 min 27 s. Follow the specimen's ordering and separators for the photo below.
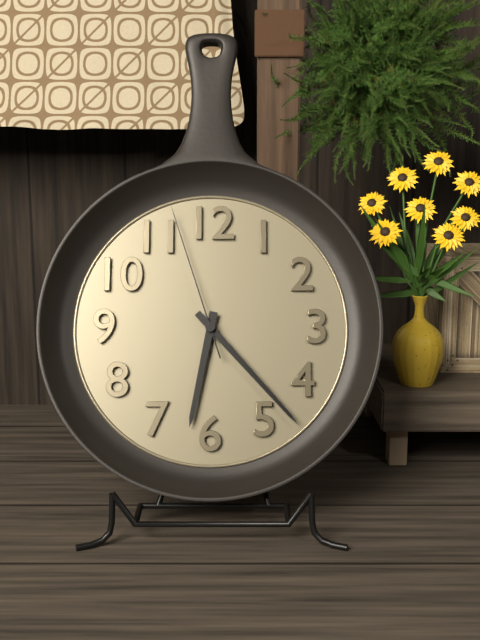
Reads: 6 h 23 min 57 s
